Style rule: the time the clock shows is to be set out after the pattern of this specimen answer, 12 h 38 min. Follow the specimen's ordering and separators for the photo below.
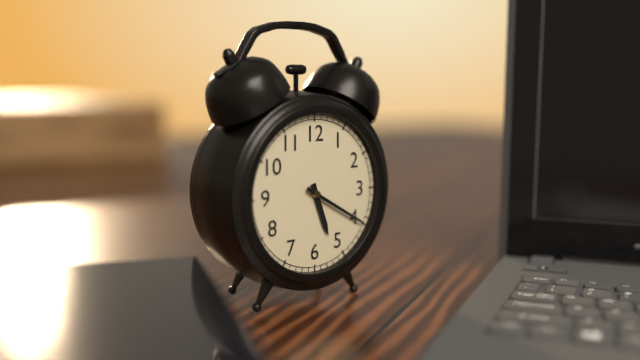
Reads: 5 h 20 min
